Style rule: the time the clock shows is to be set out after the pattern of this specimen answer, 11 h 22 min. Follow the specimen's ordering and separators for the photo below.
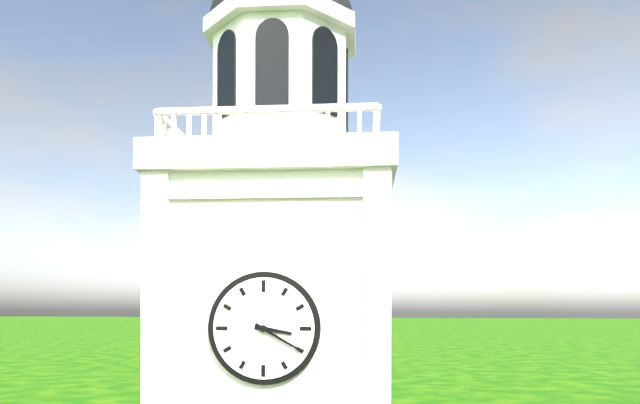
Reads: 3 h 20 min
